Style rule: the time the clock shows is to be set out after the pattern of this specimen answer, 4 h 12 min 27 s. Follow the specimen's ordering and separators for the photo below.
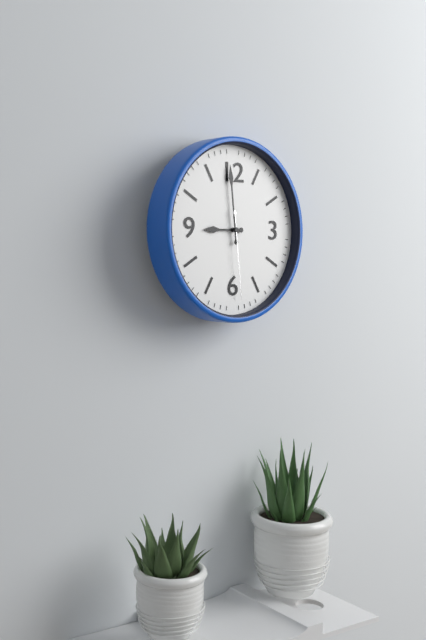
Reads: 8 h 59 min 29 s
